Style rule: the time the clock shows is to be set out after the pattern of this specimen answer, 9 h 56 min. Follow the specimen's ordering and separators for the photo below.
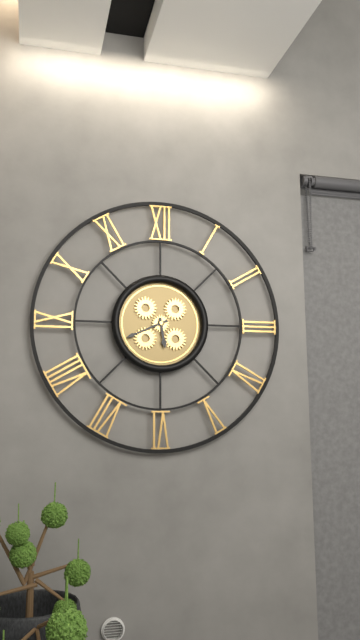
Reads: 5 h 41 min
